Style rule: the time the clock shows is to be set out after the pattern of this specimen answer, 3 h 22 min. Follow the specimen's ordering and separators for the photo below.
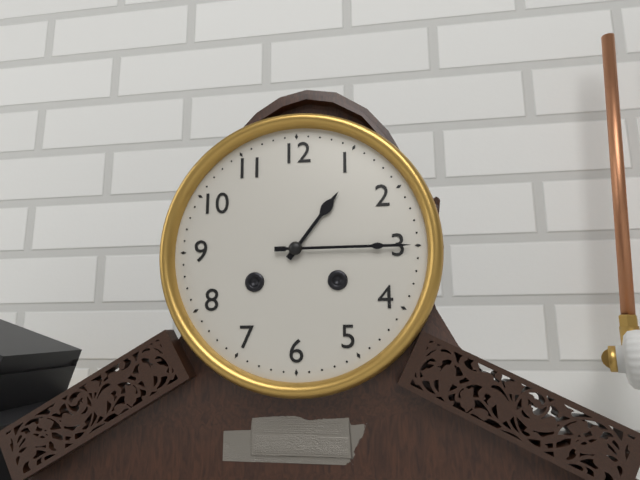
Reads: 1 h 15 min
